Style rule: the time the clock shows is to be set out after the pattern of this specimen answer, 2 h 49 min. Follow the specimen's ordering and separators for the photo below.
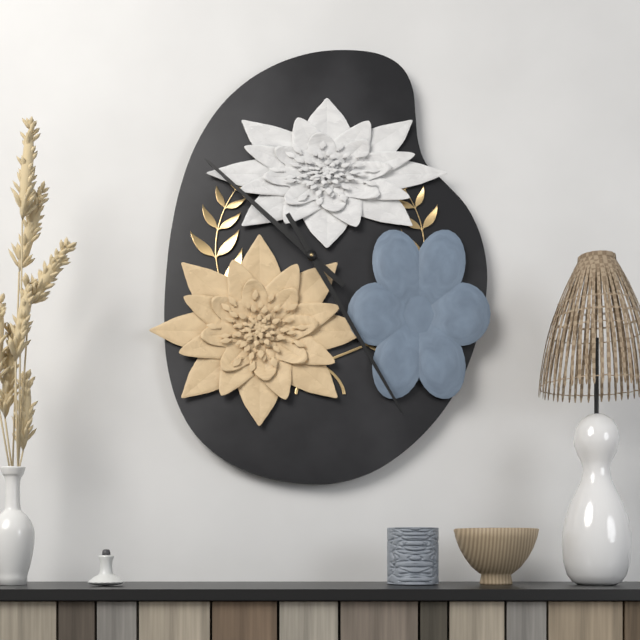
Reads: 10 h 25 min
